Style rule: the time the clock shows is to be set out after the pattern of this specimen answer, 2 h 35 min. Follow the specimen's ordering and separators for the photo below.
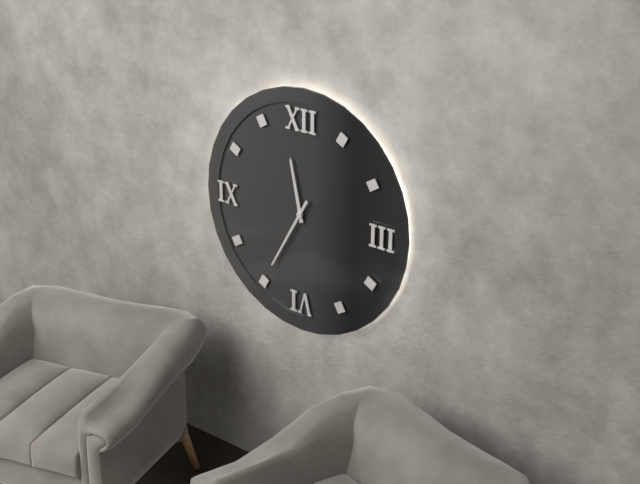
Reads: 11 h 35 min
